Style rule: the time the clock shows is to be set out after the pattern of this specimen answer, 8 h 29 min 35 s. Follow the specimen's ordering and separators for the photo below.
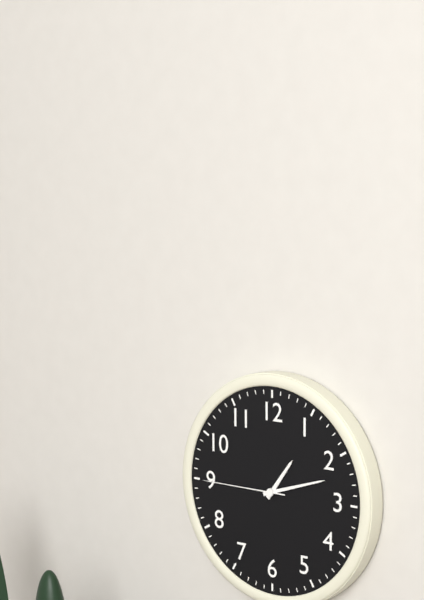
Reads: 1 h 12 min 45 s
